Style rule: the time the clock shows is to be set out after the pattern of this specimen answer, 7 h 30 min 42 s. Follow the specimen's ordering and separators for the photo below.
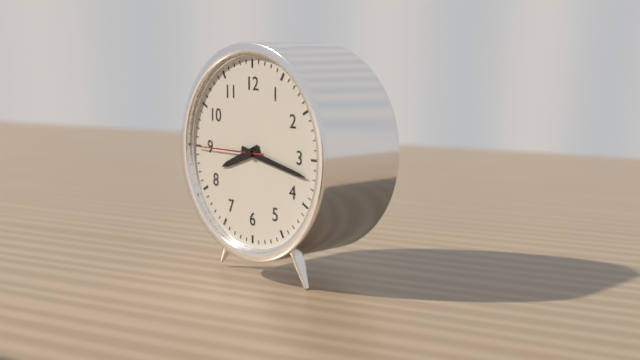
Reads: 8 h 17 min 45 s
